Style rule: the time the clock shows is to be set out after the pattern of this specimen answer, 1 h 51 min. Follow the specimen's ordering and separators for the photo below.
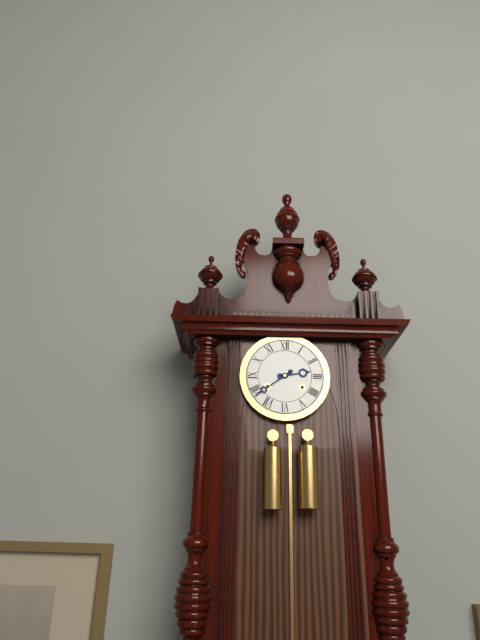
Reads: 2 h 39 min
